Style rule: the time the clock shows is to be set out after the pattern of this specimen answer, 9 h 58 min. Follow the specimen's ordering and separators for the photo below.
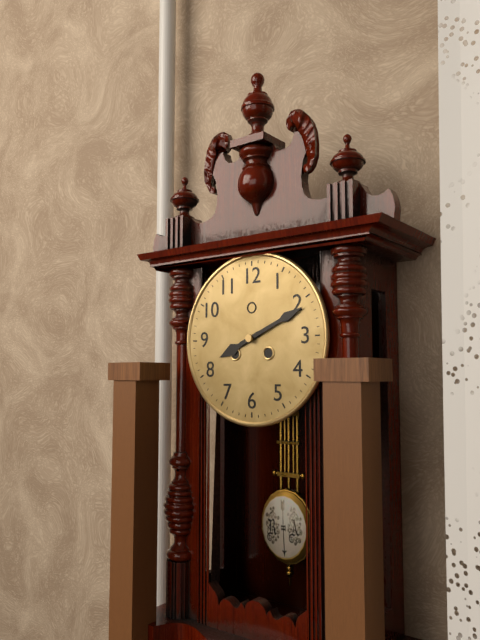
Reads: 8 h 11 min
